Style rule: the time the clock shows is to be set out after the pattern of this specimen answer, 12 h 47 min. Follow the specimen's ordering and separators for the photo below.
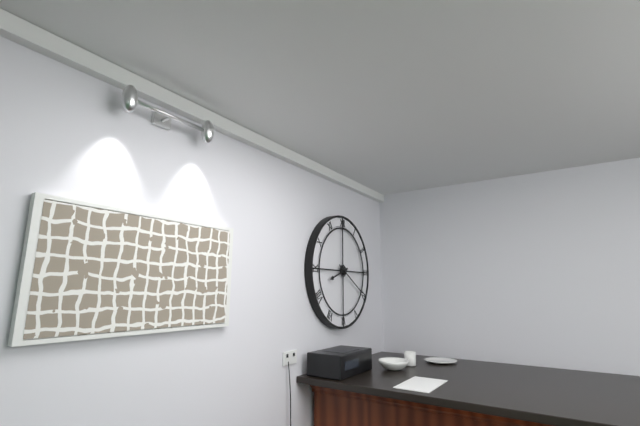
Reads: 8 h 20 min
